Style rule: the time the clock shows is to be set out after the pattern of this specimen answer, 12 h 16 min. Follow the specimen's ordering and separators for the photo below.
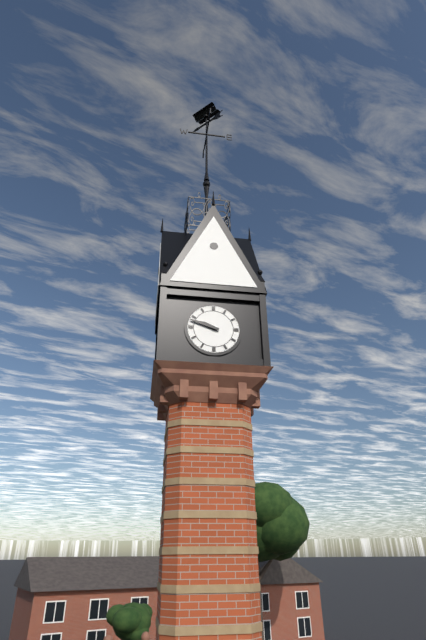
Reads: 9 h 48 min
